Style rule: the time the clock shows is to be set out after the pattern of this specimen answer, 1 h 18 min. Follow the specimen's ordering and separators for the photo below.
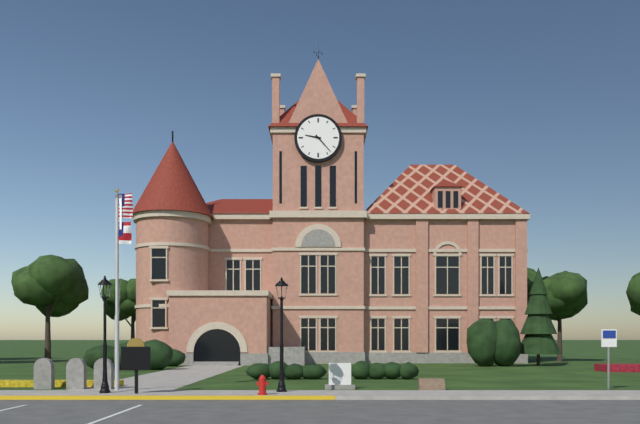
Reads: 9 h 23 min
